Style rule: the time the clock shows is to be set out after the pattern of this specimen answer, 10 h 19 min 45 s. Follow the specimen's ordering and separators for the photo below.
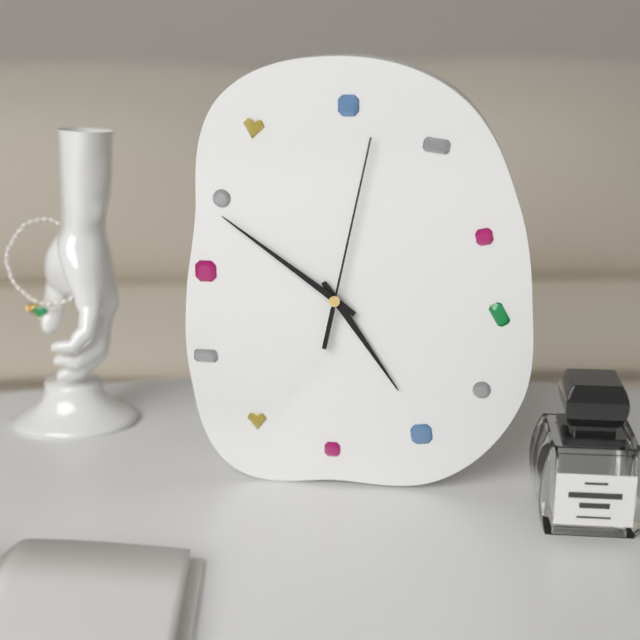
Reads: 4 h 51 min 02 s
